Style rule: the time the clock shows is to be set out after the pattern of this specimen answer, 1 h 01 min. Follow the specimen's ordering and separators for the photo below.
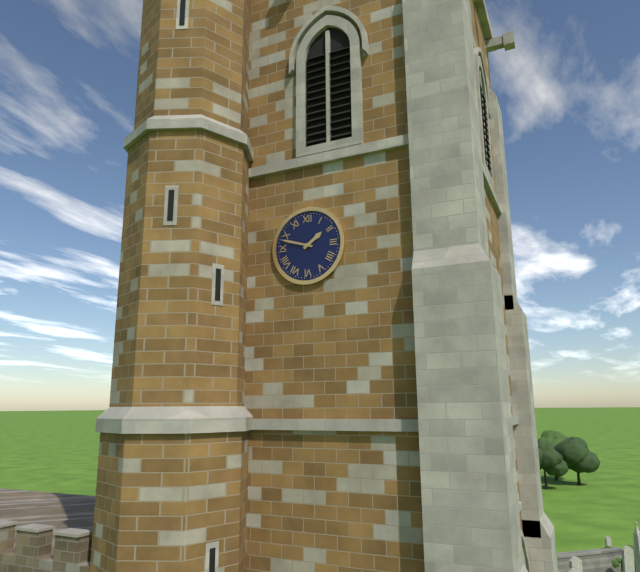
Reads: 1 h 48 min
